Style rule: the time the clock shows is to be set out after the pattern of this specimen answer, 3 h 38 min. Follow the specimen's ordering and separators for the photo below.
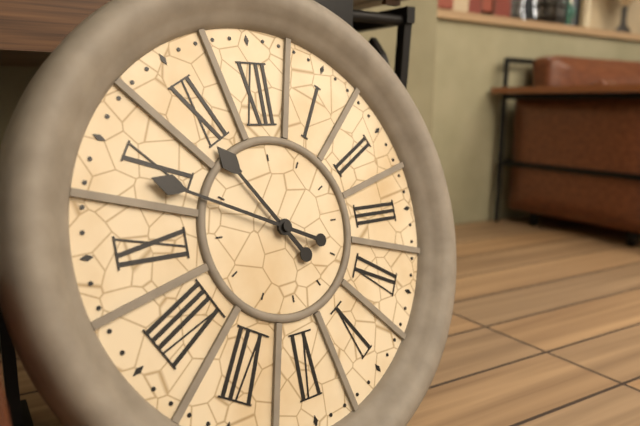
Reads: 10 h 49 min
